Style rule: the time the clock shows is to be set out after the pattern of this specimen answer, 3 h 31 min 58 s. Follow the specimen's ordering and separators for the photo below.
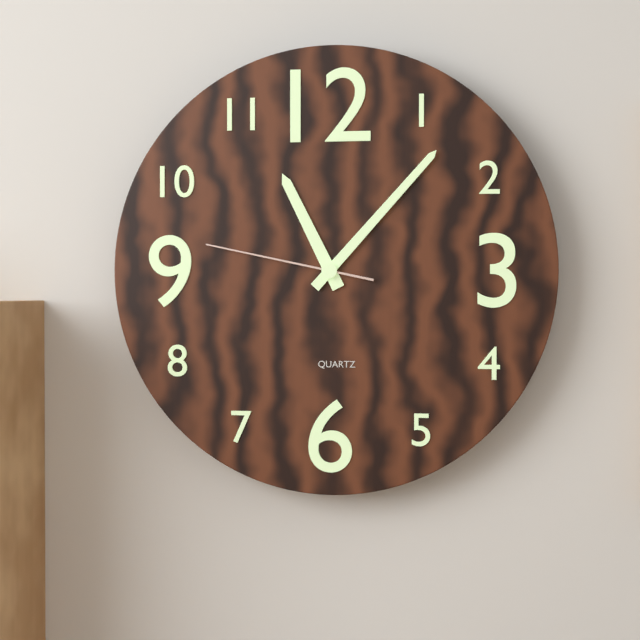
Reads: 11 h 07 min 47 s
